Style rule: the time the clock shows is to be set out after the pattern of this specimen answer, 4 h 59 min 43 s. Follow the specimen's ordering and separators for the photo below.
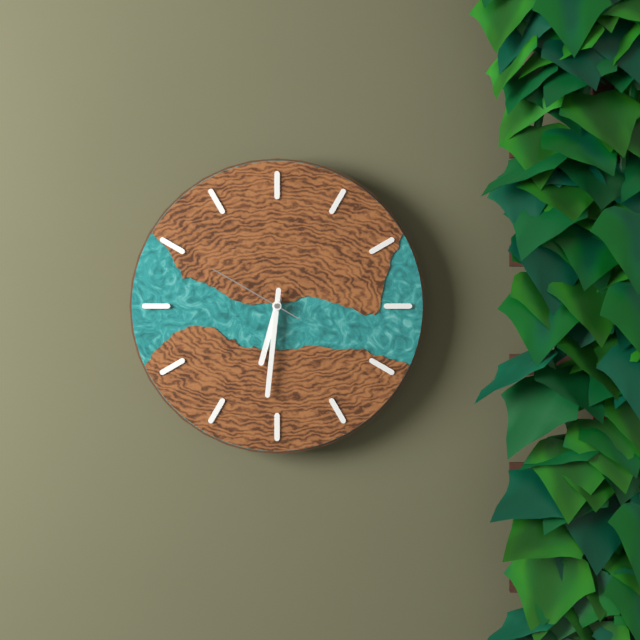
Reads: 6 h 31 min 50 s
